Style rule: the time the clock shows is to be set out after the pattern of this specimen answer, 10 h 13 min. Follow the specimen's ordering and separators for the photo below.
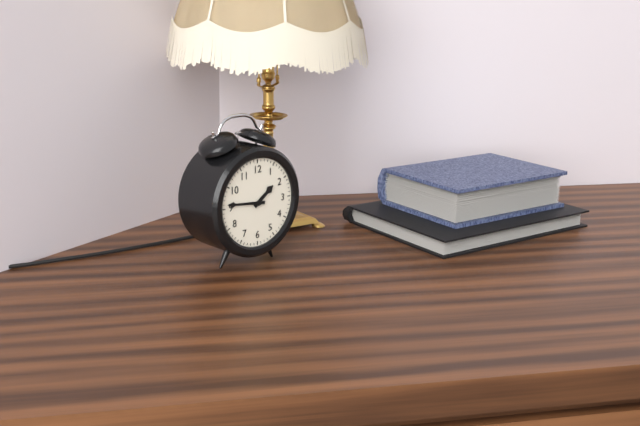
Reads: 1 h 46 min
